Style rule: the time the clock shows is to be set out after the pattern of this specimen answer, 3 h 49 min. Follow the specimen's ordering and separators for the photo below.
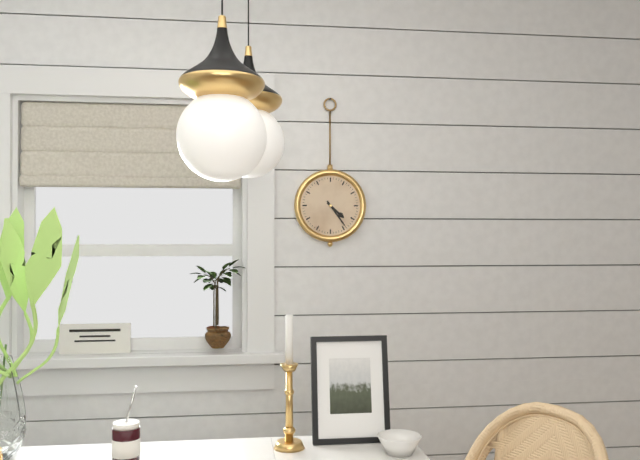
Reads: 4 h 24 min
